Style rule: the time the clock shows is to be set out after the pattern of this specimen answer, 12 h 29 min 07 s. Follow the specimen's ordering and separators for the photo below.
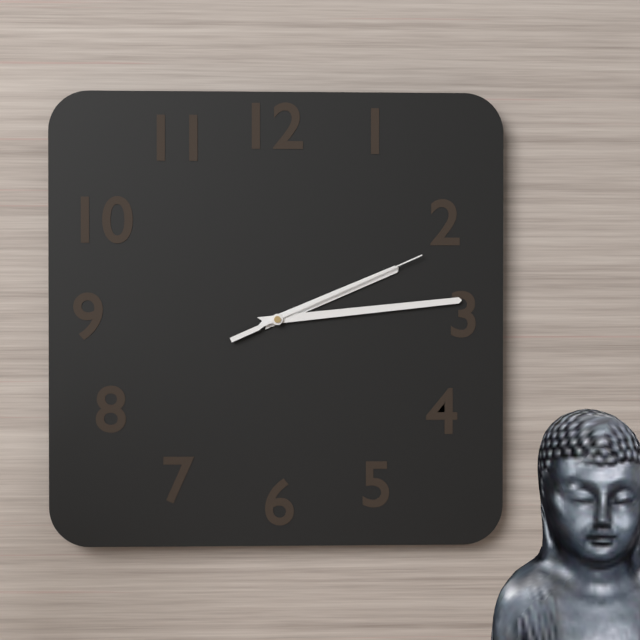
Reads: 2 h 14 min 11 s
